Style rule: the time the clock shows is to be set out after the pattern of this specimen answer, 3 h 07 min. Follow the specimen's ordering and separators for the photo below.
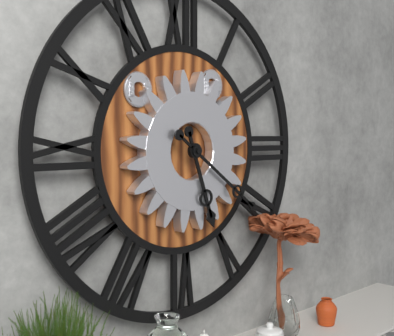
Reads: 5 h 21 min
